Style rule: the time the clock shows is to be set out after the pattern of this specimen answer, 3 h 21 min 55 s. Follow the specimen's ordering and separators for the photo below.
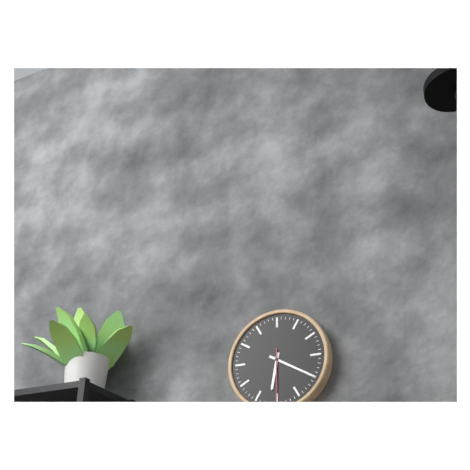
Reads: 6 h 20 min 30 s
